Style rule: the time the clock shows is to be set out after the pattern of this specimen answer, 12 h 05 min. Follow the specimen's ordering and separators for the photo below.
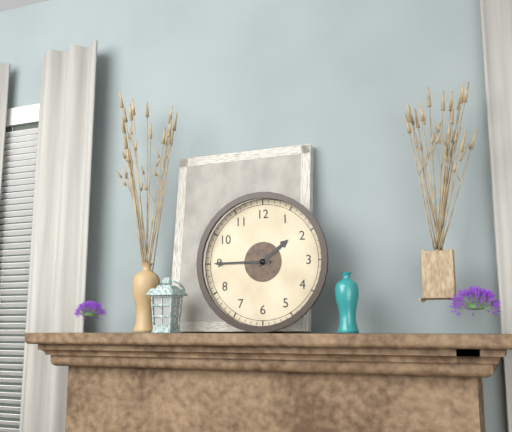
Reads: 1 h 45 min
